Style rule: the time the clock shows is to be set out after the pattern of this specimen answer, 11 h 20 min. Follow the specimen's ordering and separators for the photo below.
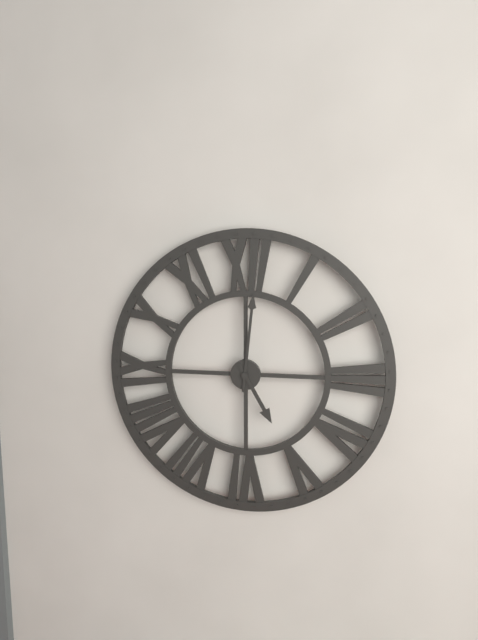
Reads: 5 h 01 min
